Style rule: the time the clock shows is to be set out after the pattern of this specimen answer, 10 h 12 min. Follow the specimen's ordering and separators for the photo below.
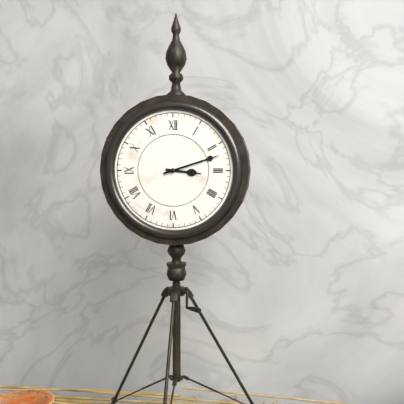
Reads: 3 h 12 min
